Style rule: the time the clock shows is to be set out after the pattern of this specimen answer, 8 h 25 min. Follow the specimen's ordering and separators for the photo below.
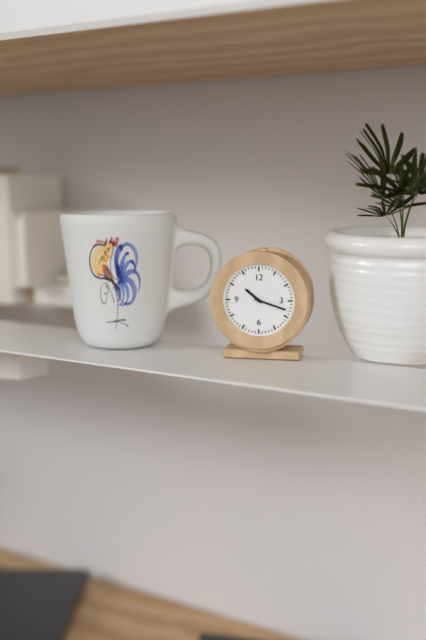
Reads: 10 h 18 min
